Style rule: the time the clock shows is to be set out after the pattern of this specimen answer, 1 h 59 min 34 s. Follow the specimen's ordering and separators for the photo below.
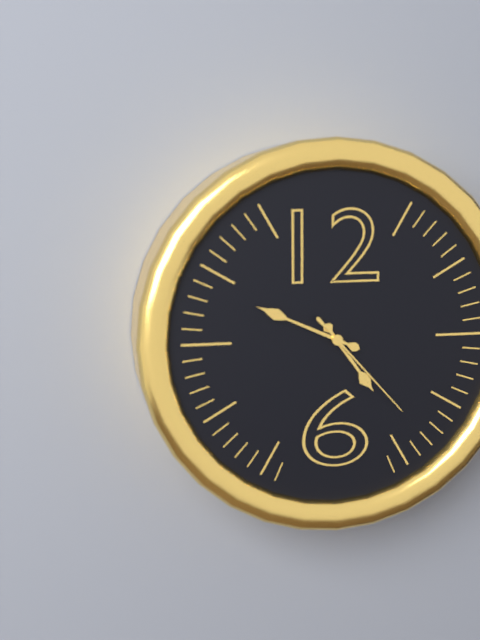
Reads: 4 h 49 min 23 s
